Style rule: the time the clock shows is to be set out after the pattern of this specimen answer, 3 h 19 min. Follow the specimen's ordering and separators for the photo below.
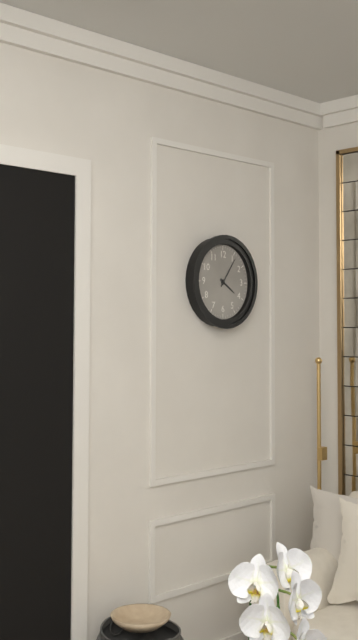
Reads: 4 h 06 min
